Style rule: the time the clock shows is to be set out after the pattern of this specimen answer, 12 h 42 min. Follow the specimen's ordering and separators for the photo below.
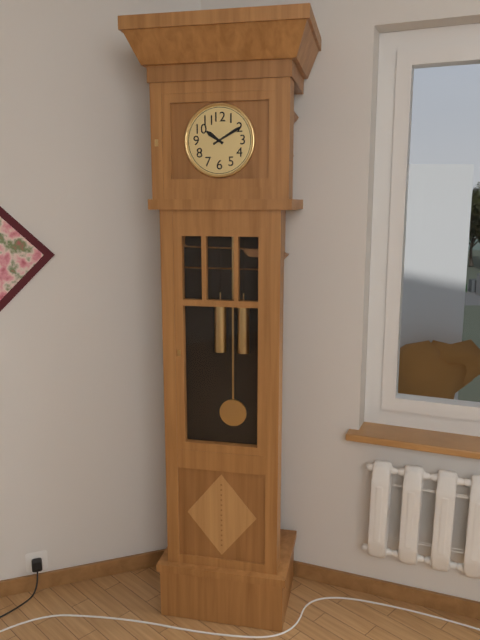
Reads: 10 h 10 min
